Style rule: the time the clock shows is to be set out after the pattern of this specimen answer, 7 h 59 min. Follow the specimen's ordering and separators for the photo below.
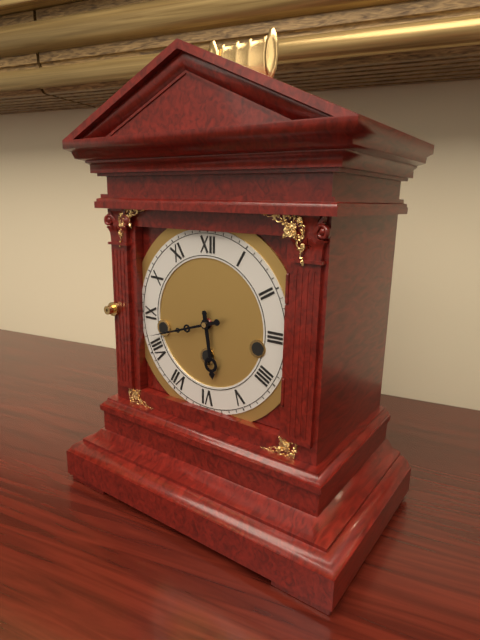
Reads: 5 h 42 min
